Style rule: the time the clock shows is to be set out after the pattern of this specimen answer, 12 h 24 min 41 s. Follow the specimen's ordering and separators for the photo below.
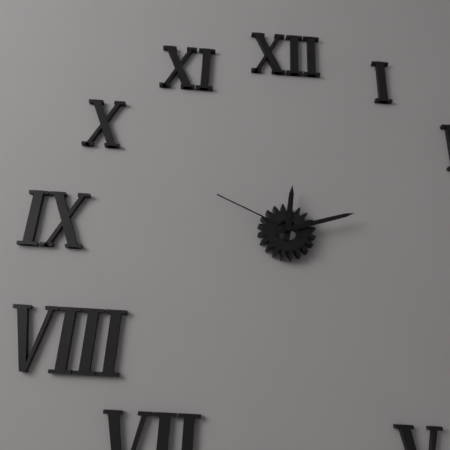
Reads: 12 h 12 min 49 s
